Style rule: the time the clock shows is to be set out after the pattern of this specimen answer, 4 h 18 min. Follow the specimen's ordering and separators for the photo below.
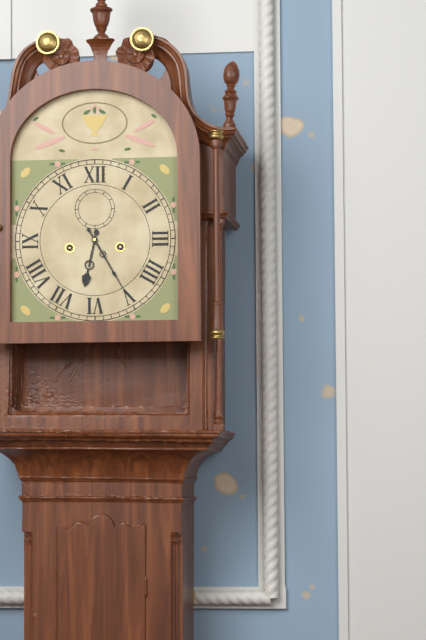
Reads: 6 h 25 min
